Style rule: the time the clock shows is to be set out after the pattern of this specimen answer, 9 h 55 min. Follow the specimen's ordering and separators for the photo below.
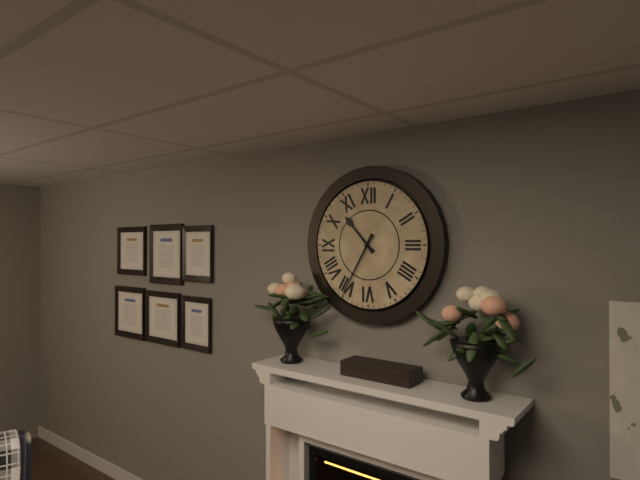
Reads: 10 h 35 min
